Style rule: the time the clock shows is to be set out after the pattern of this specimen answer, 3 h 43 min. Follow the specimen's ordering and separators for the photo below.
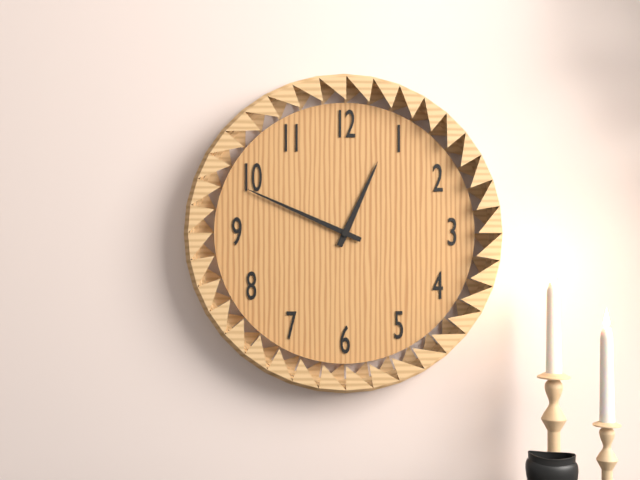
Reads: 12 h 49 min
